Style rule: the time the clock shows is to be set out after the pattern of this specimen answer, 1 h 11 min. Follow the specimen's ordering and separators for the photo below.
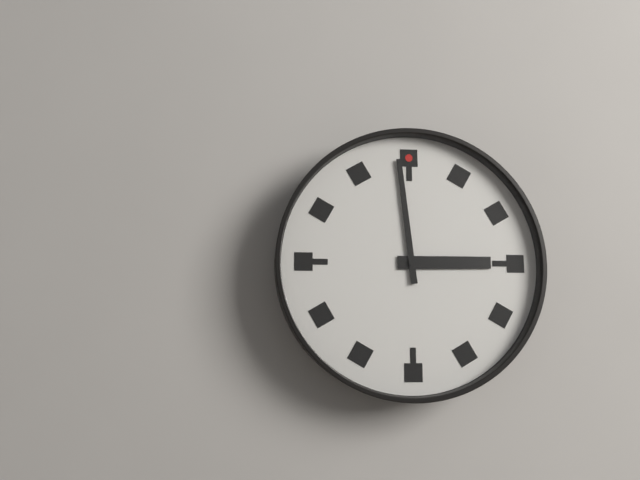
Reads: 2 h 59 min
